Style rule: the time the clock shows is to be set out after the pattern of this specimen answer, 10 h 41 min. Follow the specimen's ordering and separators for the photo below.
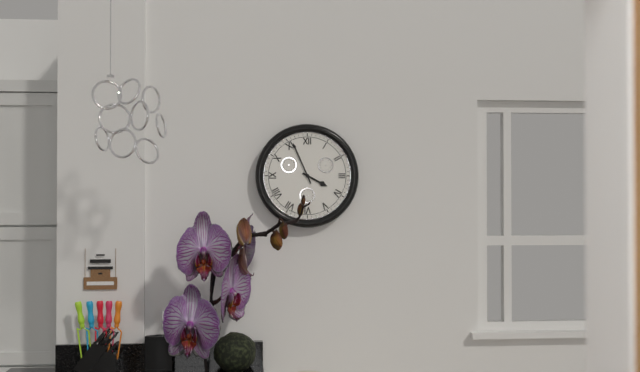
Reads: 3 h 56 min
